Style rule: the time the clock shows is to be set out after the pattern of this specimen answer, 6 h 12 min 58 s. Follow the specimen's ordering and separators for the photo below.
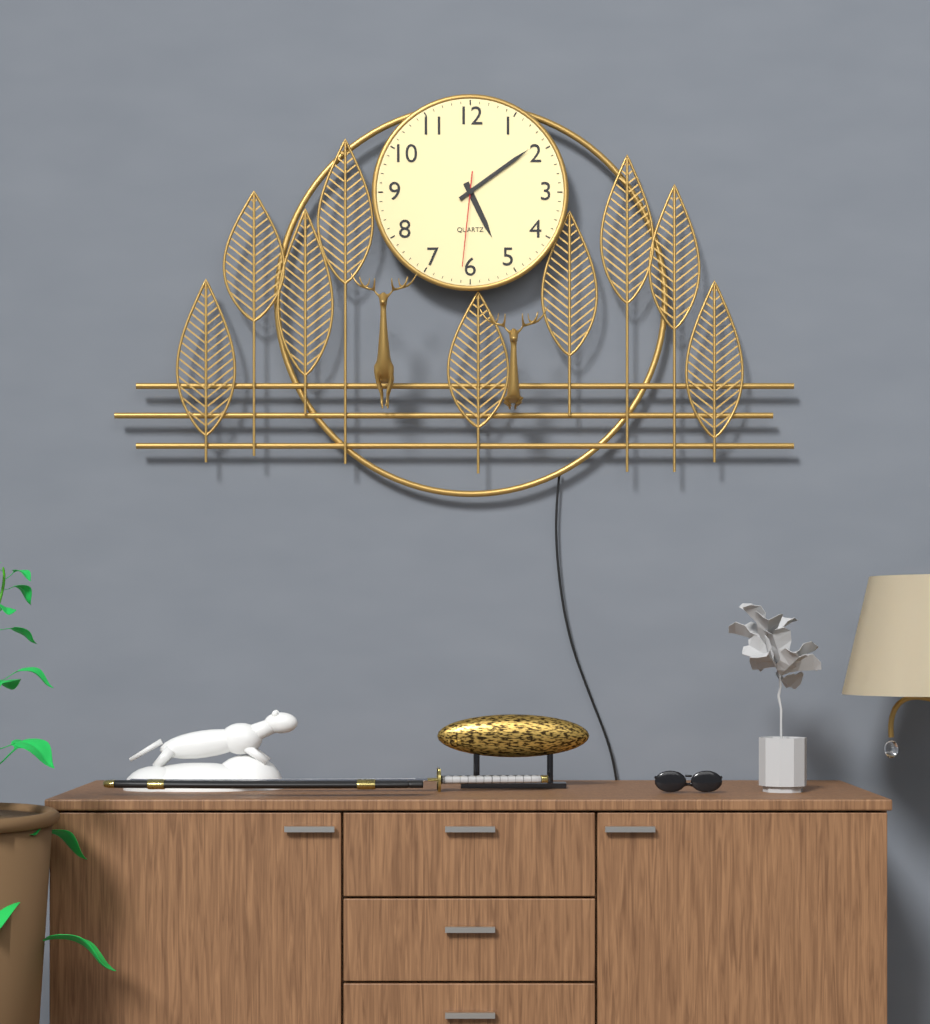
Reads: 5 h 09 min 31 s
